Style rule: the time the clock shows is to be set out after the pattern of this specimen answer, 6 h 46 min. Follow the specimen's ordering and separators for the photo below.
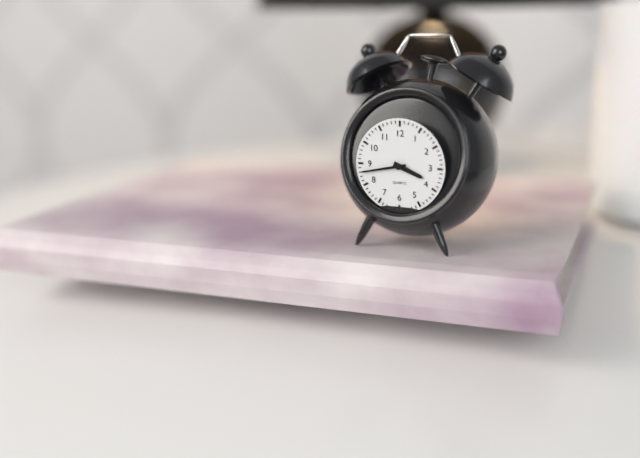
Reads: 3 h 43 min
